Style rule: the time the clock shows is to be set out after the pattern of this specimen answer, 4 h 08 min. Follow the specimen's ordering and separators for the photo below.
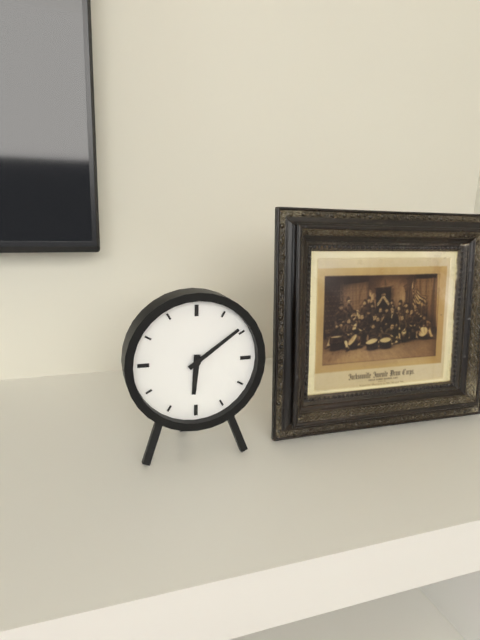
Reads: 6 h 09 min
